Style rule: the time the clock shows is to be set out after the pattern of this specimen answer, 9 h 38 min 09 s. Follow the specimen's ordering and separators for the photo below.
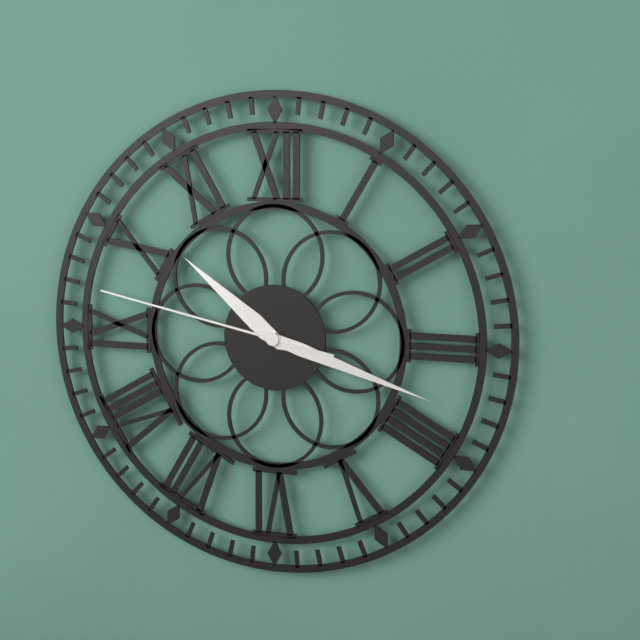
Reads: 10 h 18 min 47 s
